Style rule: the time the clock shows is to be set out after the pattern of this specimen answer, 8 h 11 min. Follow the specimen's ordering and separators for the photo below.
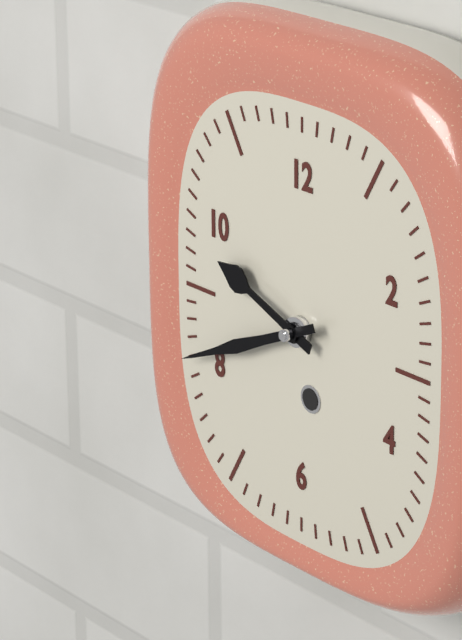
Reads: 9 h 41 min
